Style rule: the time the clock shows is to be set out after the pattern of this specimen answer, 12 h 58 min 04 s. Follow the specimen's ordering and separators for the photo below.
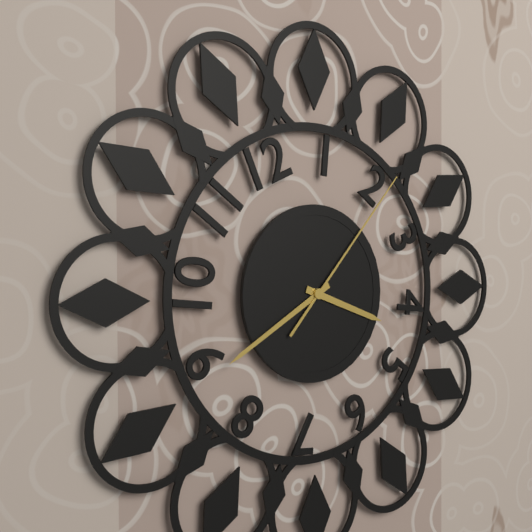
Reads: 3 h 40 min 07 s
